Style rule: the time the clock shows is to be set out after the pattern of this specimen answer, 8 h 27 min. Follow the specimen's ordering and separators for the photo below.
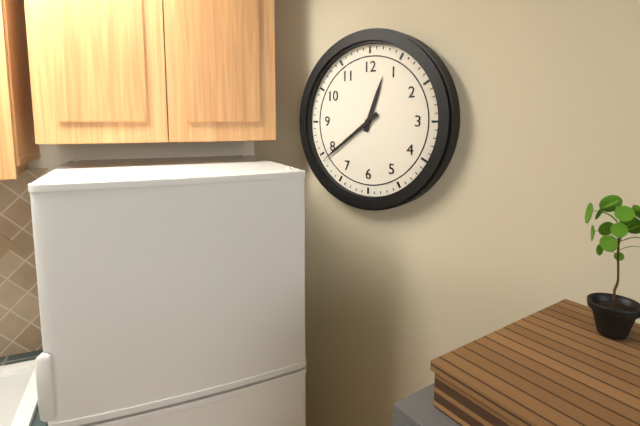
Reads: 12 h 39 min
